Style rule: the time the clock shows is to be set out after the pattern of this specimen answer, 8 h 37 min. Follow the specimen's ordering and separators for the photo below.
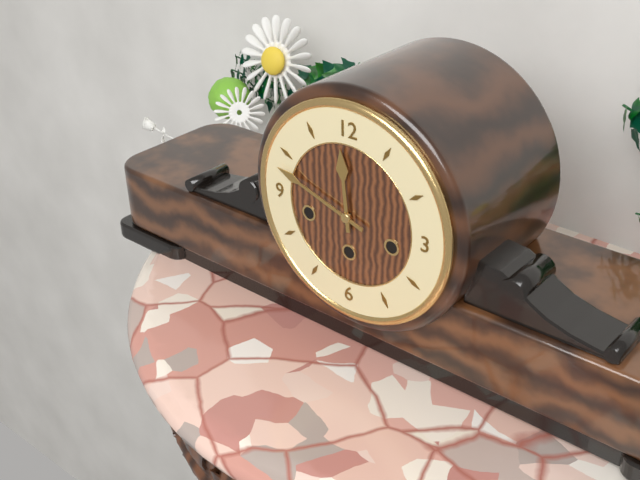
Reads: 11 h 48 min
